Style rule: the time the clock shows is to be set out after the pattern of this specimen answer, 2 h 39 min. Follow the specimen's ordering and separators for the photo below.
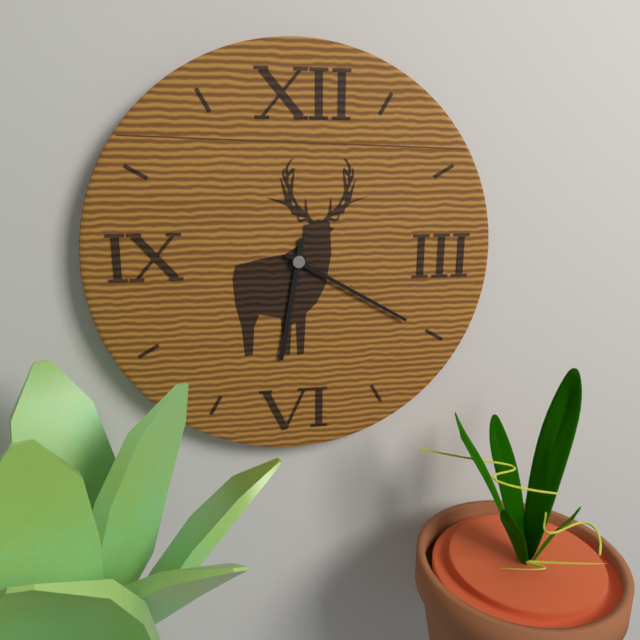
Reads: 6 h 20 min
